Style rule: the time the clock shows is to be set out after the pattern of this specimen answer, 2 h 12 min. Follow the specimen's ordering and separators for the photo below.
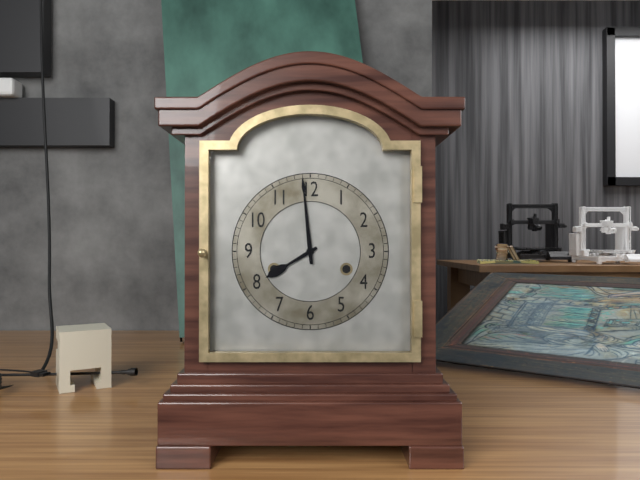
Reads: 7 h 59 min
